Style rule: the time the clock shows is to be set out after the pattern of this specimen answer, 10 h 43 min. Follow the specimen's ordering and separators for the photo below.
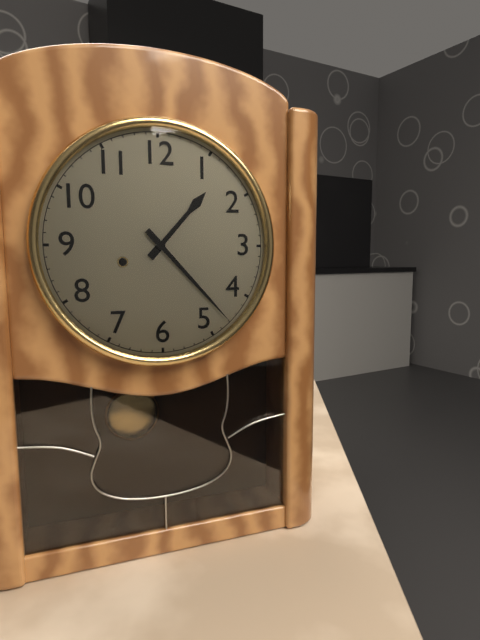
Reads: 1 h 23 min
